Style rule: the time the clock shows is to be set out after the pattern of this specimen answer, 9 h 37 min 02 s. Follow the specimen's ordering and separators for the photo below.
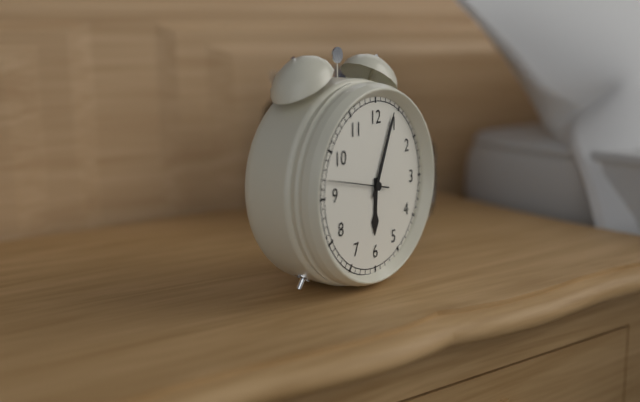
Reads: 6 h 04 min 47 s
